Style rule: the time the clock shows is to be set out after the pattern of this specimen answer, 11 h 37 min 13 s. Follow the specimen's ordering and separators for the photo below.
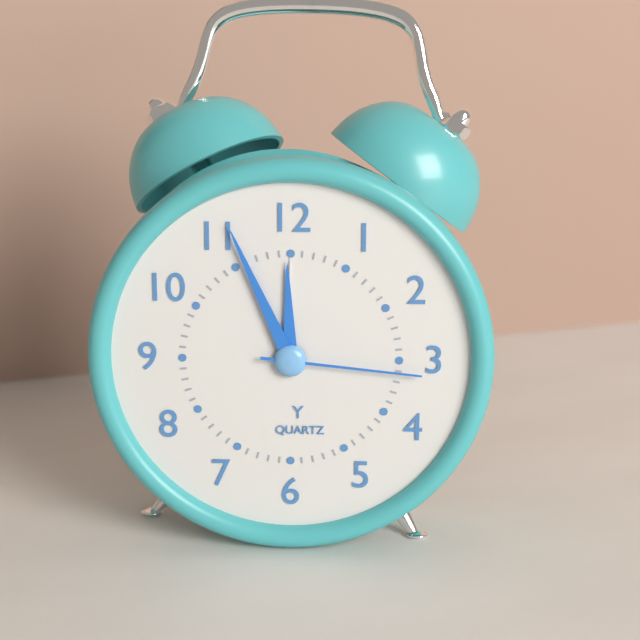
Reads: 11 h 56 min 16 s
